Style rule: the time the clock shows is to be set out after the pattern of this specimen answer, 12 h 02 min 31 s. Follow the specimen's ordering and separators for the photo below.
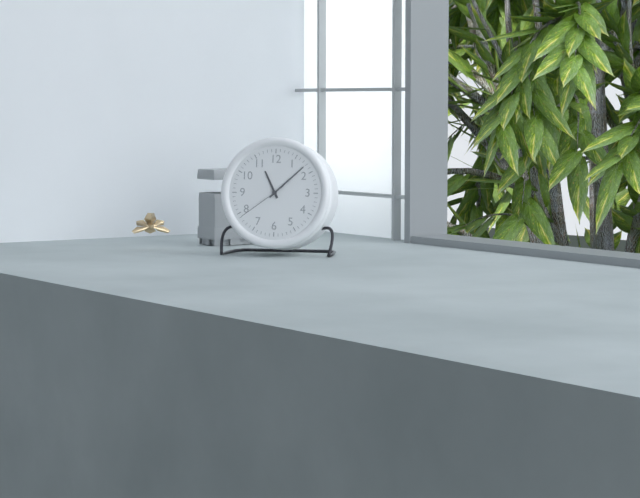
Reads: 11 h 08 min 39 s
